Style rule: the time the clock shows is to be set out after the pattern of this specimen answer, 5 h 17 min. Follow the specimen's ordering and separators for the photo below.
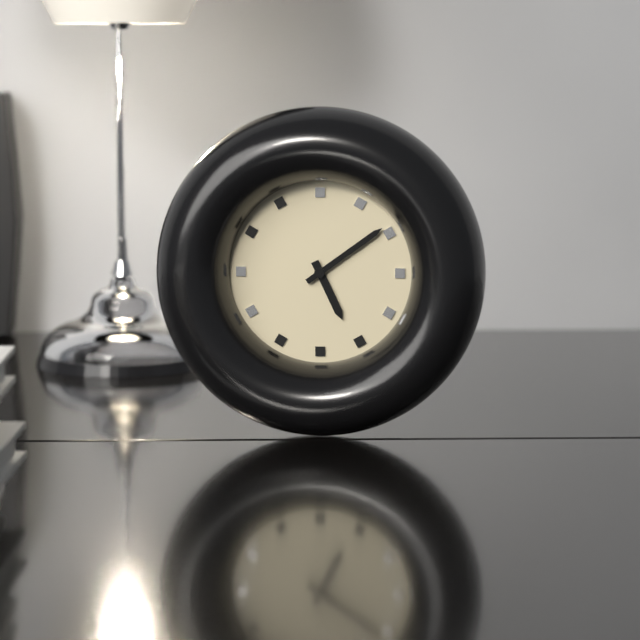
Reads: 5 h 09 min
